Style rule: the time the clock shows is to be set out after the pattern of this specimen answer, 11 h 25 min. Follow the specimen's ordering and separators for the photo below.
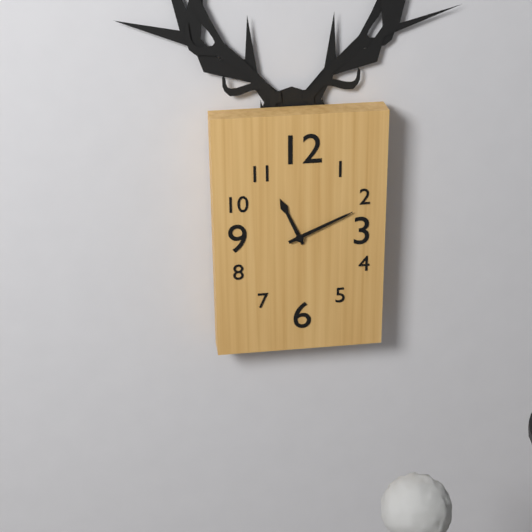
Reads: 11 h 11 min
